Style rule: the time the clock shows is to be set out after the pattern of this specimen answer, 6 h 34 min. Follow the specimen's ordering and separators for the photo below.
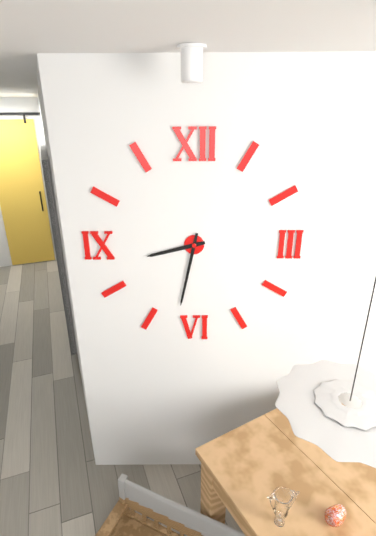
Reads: 8 h 32 min
